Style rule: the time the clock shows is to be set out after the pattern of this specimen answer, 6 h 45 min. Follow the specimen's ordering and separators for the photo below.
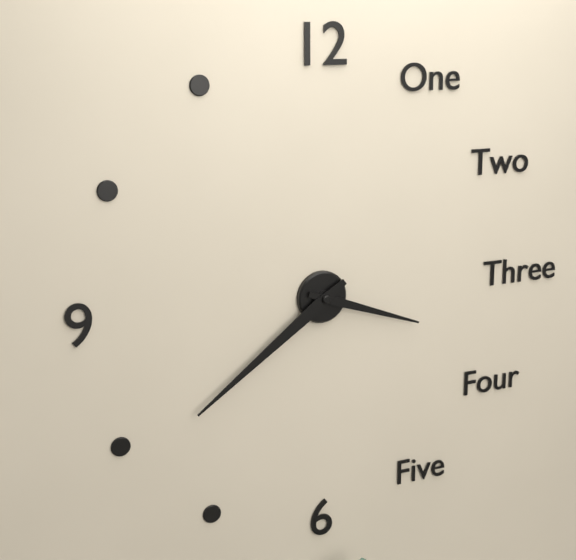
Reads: 3 h 39 min
